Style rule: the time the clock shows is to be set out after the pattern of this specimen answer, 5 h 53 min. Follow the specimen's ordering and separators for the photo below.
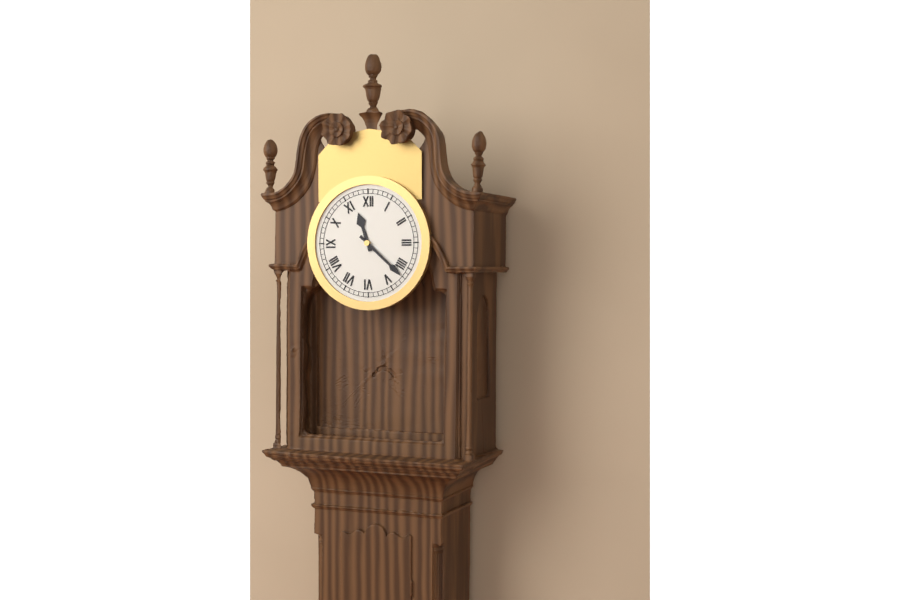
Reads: 11 h 22 min
